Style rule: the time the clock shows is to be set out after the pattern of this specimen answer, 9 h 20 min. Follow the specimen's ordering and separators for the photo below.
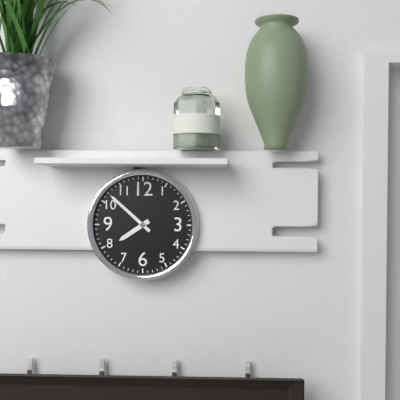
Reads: 7 h 52 min
